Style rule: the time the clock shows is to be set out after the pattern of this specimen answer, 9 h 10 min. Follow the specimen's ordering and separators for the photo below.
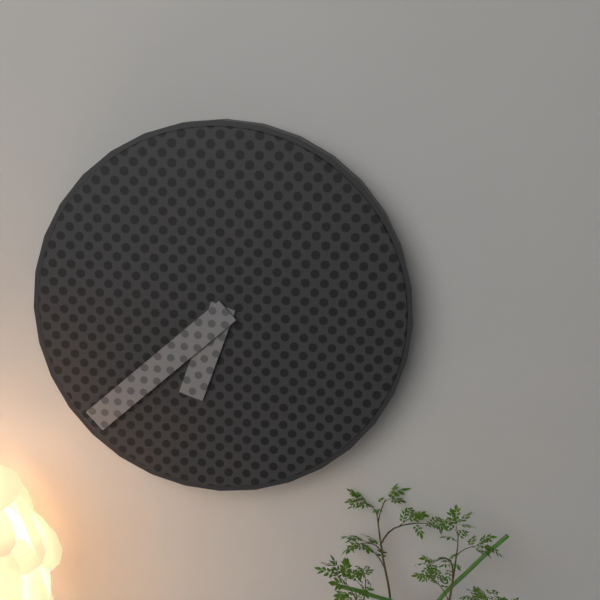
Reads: 6 h 38 min
